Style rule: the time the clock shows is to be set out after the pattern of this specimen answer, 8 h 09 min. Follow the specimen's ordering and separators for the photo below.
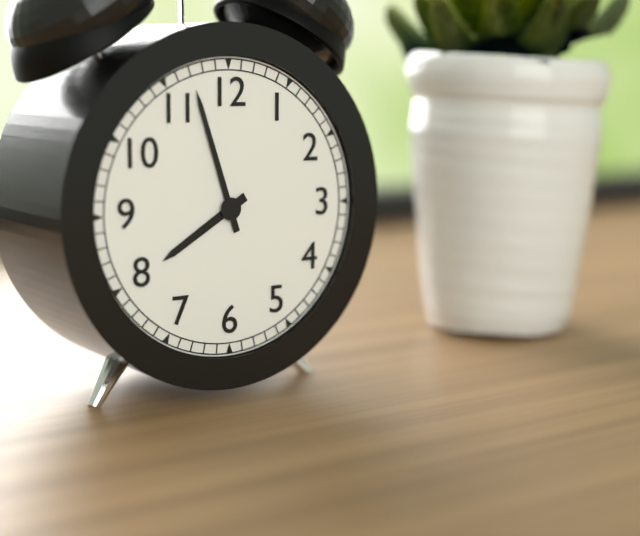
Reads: 7 h 57 min
